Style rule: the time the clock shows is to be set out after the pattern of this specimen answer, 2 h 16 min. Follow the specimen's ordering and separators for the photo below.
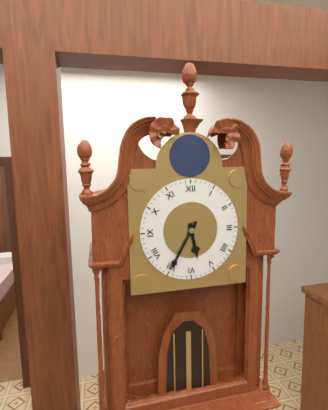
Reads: 5 h 35 min
